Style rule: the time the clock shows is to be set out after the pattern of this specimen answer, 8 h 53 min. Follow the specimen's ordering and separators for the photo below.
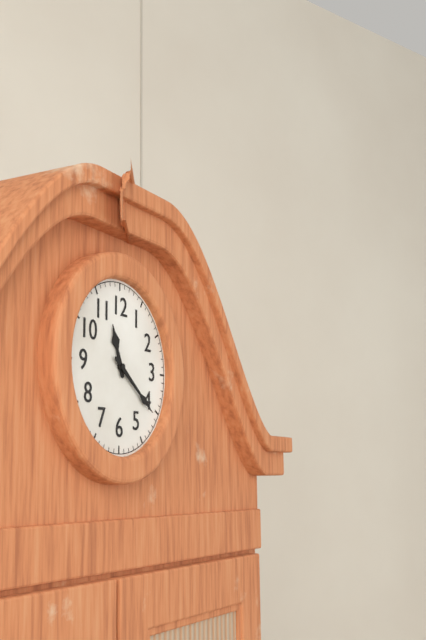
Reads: 11 h 21 min
